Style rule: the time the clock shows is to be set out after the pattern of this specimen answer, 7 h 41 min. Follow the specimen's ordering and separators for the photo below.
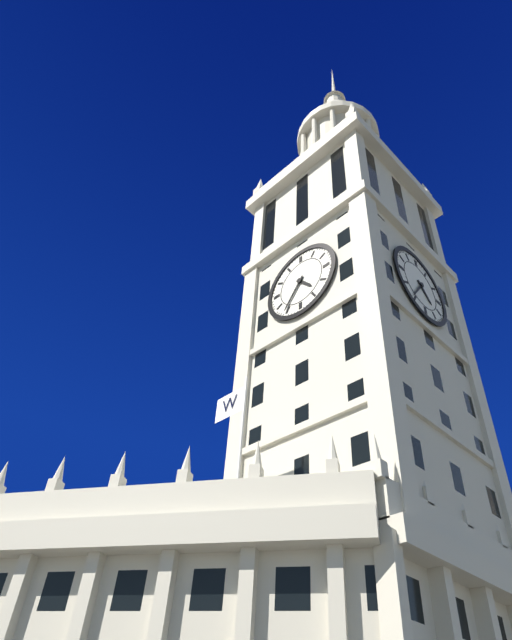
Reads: 4 h 36 min
